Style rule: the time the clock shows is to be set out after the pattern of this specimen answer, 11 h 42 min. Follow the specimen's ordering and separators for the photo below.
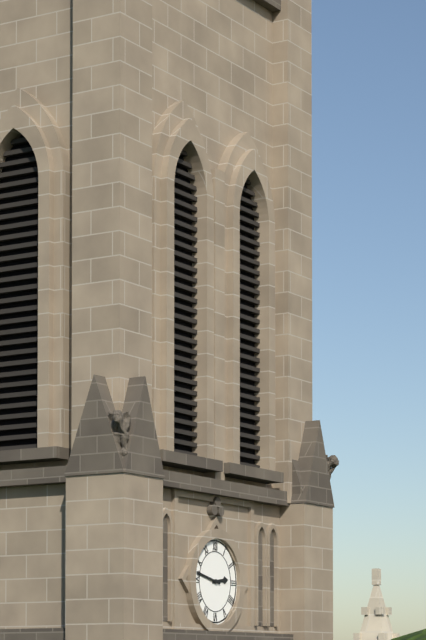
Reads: 2 h 47 min
